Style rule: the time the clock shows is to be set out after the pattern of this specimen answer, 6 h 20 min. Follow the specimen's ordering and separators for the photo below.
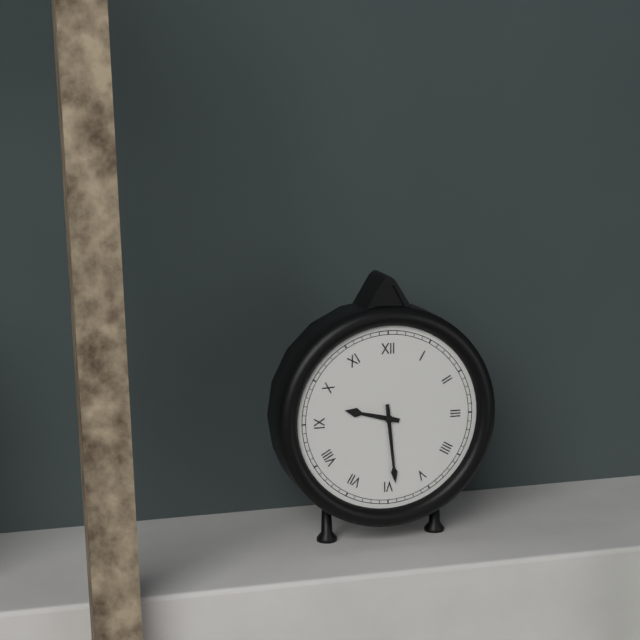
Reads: 9 h 29 min
